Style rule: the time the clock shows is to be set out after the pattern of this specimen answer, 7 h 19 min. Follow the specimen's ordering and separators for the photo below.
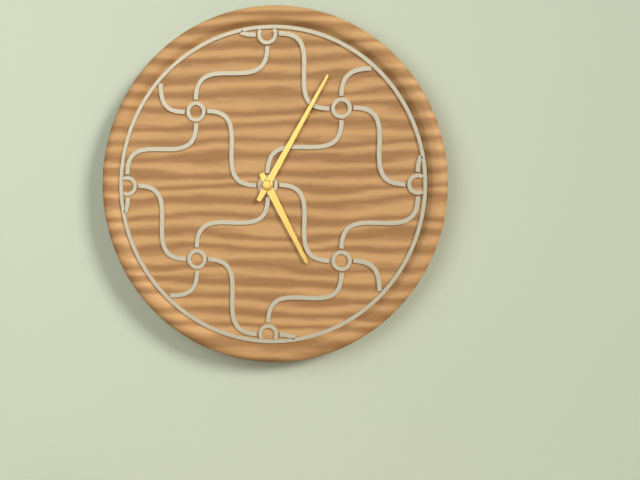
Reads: 5 h 05 min
